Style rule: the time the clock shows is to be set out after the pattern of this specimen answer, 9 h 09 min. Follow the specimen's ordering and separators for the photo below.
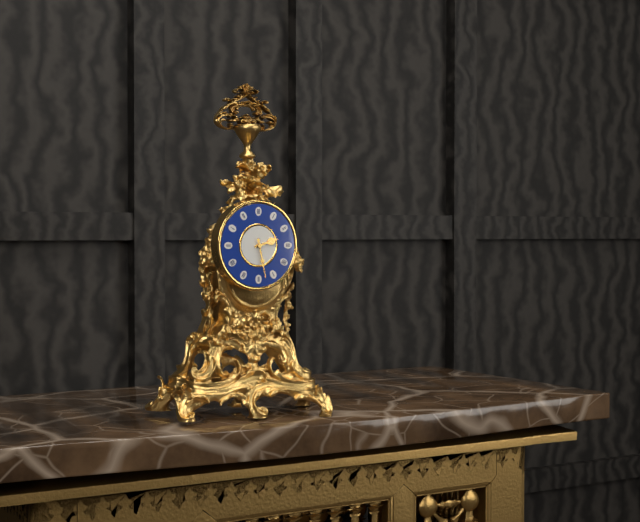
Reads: 2 h 28 min
